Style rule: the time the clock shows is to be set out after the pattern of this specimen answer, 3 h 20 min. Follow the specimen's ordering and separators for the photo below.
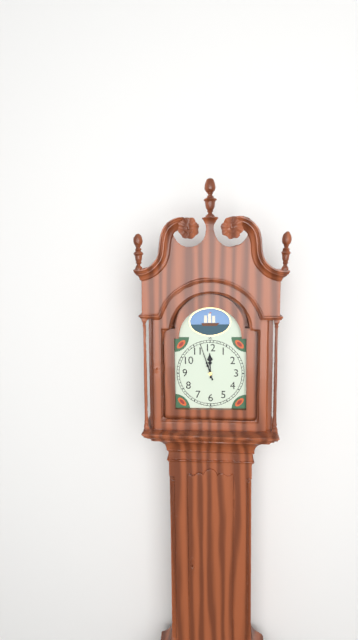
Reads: 11 h 57 min
